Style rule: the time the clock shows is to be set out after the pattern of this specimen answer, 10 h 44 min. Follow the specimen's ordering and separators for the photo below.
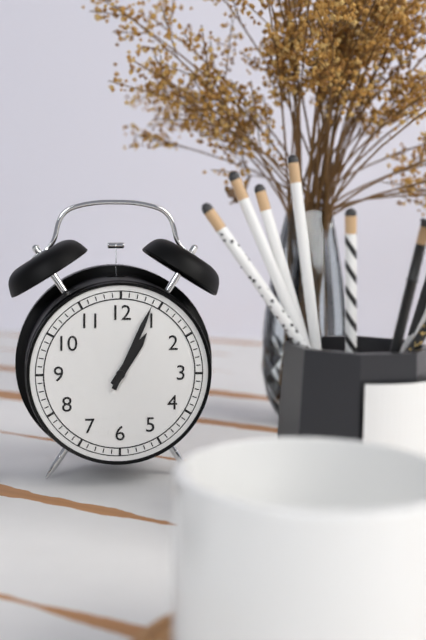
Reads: 1 h 04 min
